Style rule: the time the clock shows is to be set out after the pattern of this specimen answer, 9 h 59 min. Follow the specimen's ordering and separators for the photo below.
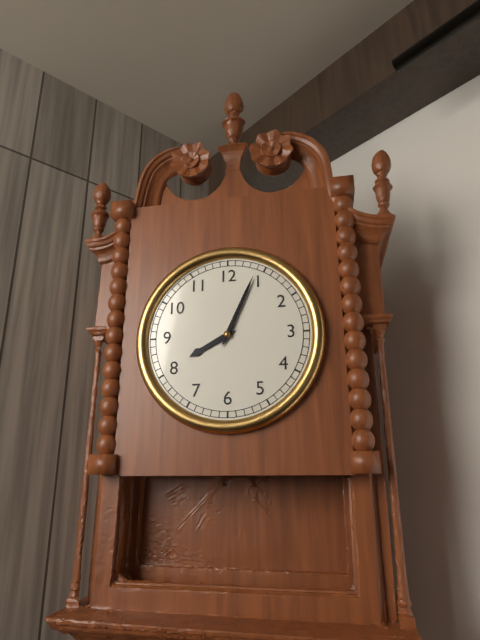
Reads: 8 h 04 min
